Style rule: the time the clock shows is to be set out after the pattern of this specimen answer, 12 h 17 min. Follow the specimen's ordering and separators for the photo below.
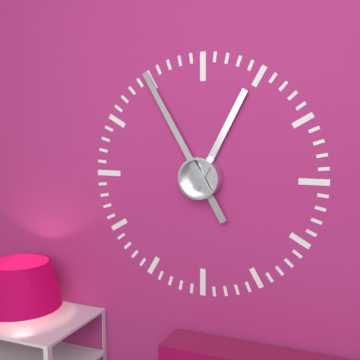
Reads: 12 h 55 min
